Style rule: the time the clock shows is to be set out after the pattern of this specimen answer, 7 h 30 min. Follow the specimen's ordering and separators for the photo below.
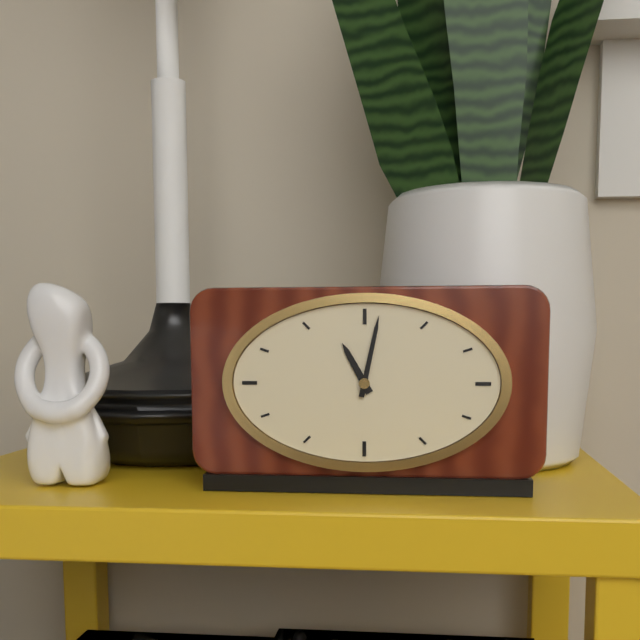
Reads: 11 h 02 min
